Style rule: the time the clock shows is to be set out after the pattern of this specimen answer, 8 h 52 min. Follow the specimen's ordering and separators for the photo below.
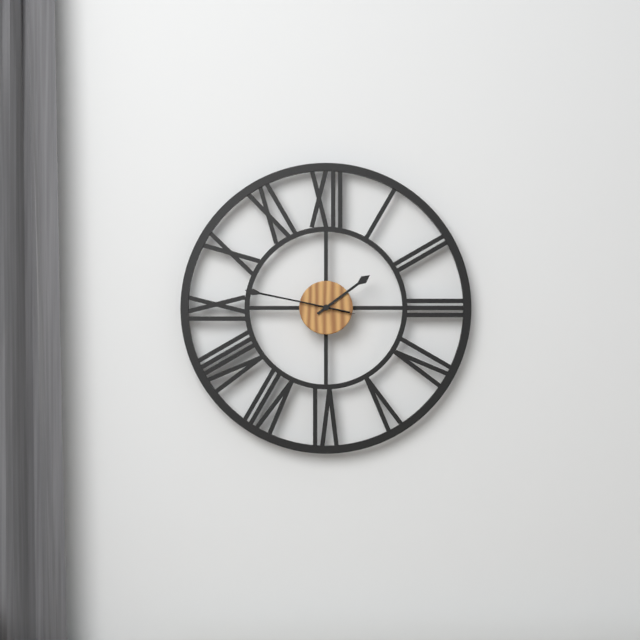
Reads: 1 h 47 min
